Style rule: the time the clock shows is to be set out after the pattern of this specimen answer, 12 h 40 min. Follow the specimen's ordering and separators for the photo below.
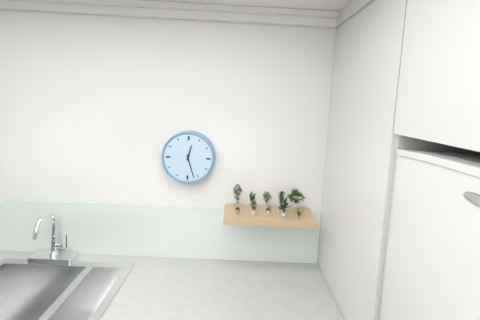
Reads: 12 h 27 min
